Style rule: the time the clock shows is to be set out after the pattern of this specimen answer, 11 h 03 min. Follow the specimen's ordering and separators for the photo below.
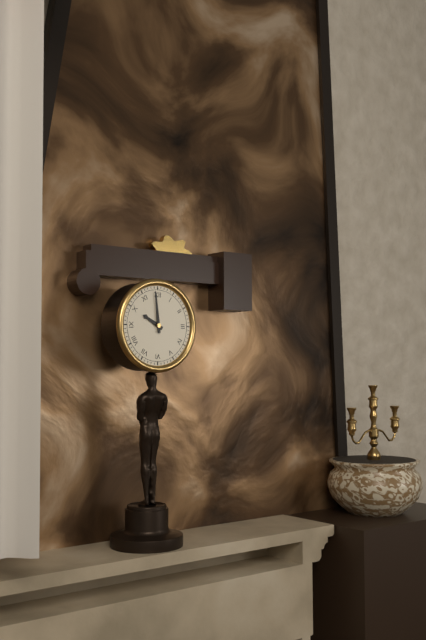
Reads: 9 h 59 min
